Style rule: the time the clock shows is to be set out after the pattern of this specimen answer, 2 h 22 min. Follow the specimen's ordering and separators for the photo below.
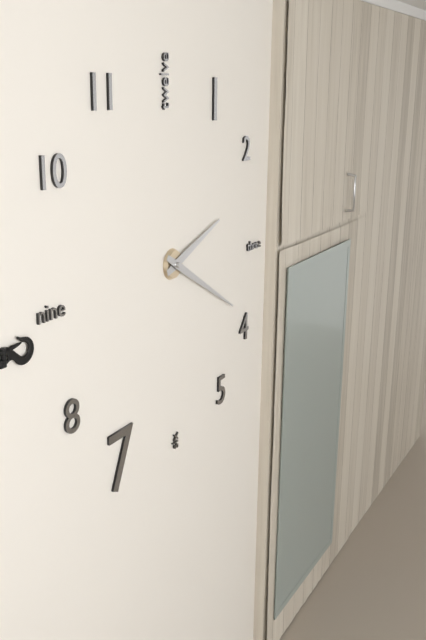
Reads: 2 h 20 min
